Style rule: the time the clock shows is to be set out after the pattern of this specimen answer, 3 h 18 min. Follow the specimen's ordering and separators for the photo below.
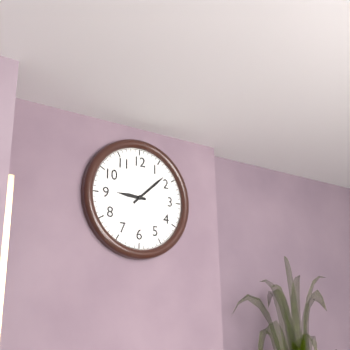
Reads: 9 h 08 min
